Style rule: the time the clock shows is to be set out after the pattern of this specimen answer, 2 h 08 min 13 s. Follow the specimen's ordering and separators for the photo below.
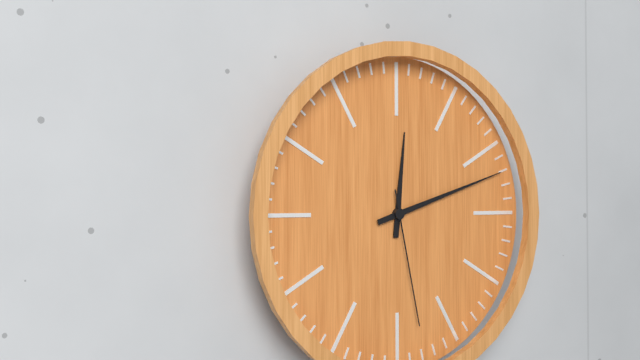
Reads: 12 h 12 min 28 s
